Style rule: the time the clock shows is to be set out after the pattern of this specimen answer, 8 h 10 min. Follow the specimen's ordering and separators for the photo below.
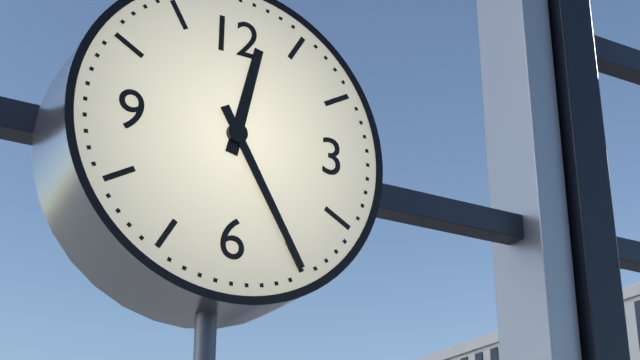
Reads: 12 h 25 min
